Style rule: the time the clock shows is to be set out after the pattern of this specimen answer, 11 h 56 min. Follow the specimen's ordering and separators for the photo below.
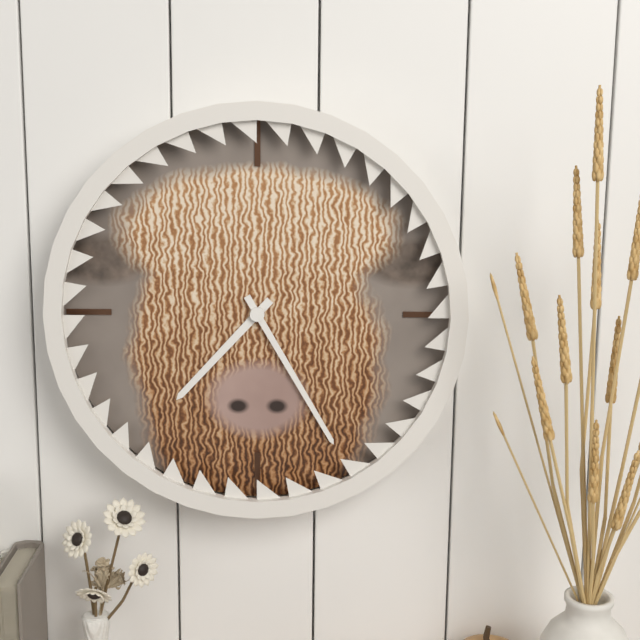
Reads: 7 h 25 min
